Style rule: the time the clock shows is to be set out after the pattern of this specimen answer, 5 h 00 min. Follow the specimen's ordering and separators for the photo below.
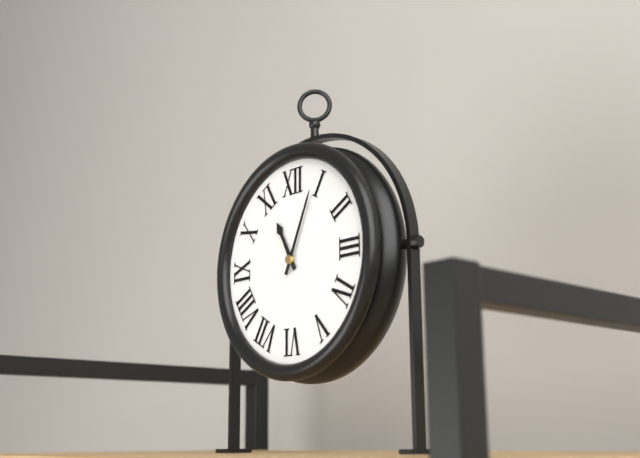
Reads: 11 h 04 min
